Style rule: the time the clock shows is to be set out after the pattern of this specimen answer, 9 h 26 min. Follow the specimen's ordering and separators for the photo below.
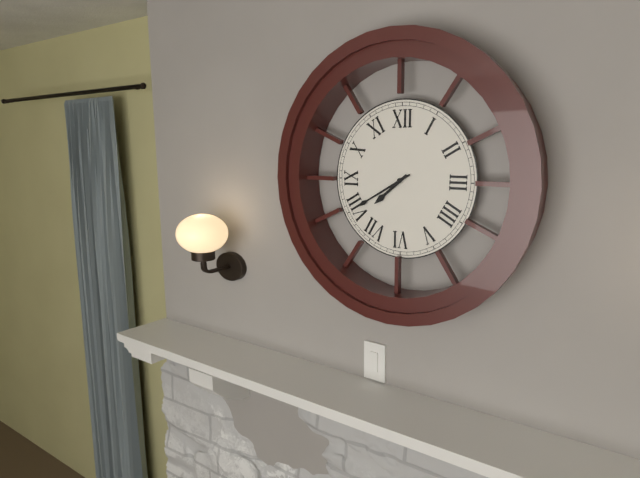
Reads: 7 h 40 min
